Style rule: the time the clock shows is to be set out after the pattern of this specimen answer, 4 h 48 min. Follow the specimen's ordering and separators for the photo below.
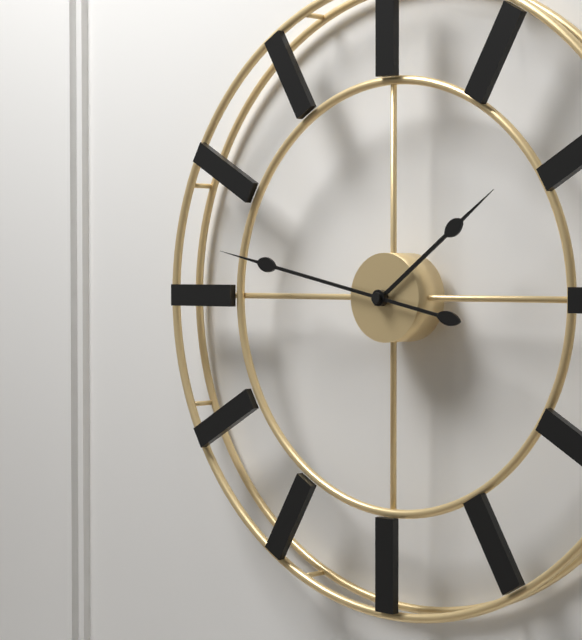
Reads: 1 h 47 min
